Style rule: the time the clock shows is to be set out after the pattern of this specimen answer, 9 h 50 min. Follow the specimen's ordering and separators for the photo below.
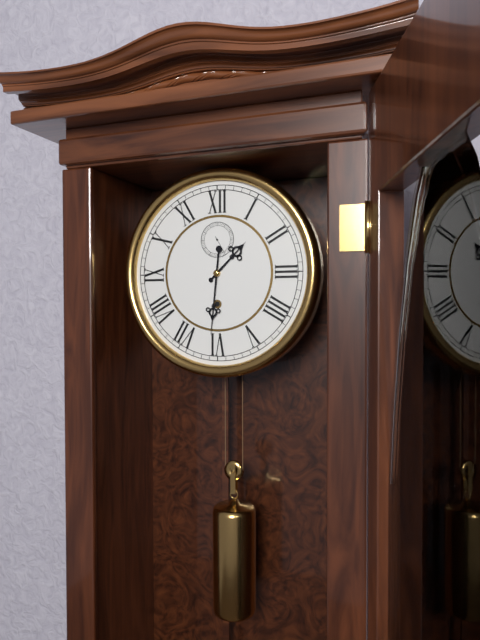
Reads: 1 h 31 min
